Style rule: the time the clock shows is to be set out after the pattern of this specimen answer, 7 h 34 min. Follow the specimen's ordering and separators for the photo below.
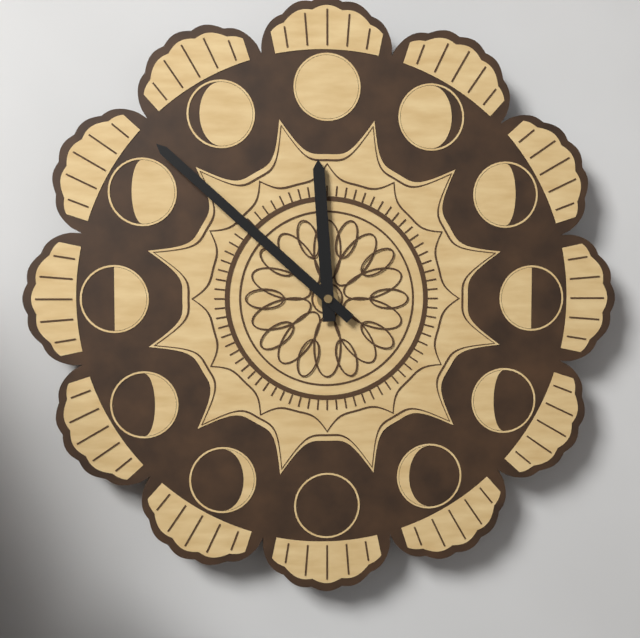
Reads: 11 h 52 min
